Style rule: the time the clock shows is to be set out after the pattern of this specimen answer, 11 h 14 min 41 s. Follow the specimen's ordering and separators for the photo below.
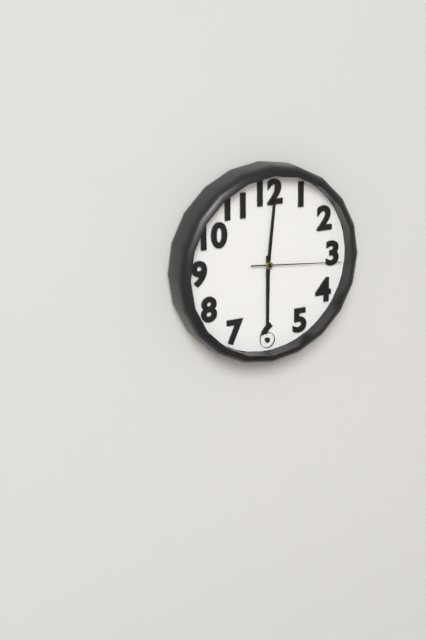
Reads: 6 h 01 min 16 s
